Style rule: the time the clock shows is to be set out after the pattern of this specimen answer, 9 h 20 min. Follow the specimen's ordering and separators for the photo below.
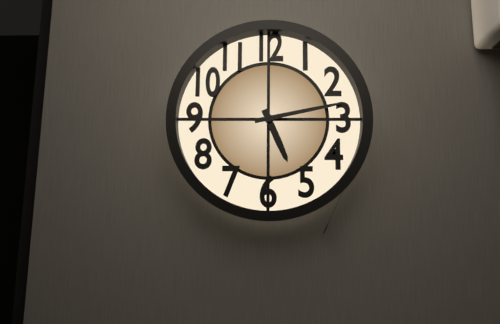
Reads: 5 h 13 min
